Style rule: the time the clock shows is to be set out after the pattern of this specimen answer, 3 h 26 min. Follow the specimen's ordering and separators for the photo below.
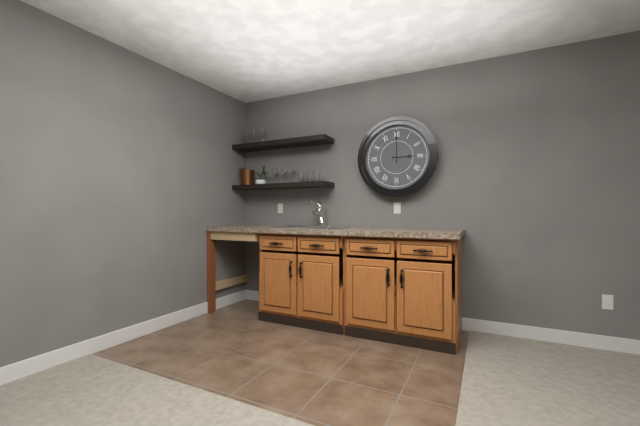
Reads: 3 h 00 min
